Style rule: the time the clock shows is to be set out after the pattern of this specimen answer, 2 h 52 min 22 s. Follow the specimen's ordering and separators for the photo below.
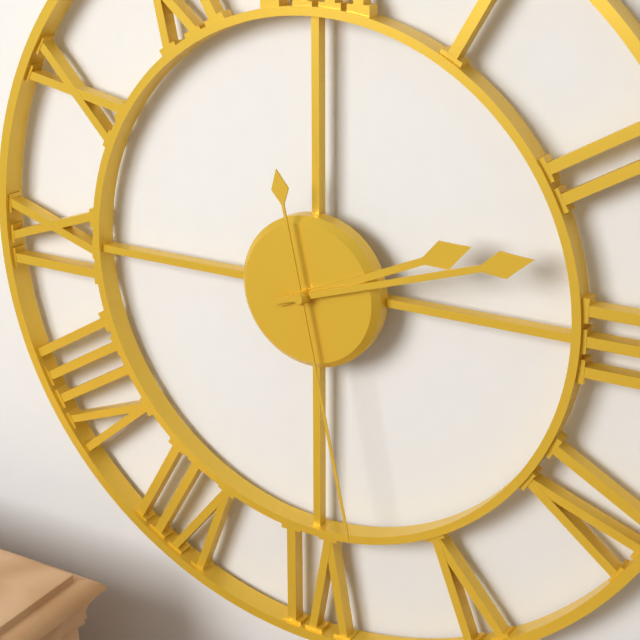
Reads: 2 h 12 min 28 s
